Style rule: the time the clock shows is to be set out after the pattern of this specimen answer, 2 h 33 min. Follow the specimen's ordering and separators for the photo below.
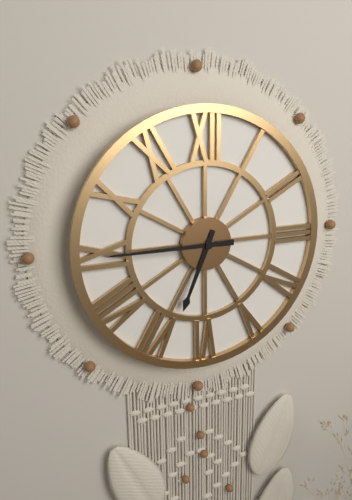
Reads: 6 h 45 min
